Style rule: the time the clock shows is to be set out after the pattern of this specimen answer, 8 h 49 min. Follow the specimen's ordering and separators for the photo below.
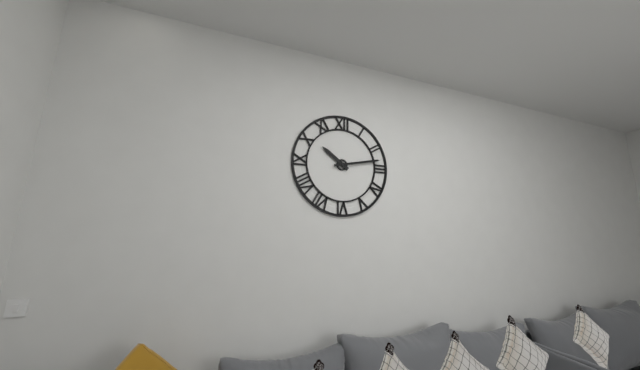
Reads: 10 h 13 min
